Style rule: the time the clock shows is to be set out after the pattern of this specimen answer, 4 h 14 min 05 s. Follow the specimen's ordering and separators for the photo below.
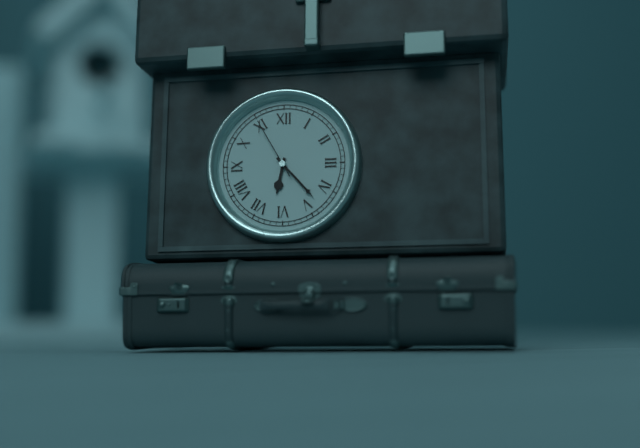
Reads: 6 h 23 min 55 s
